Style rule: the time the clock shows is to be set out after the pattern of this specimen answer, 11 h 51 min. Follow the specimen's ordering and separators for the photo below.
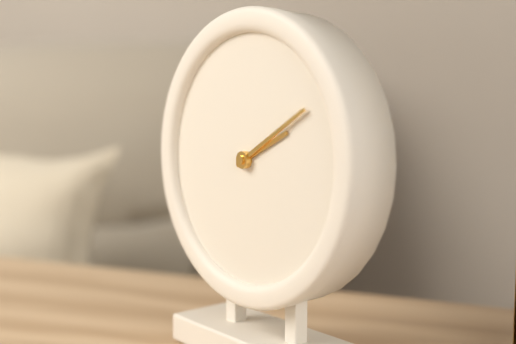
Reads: 2 h 10 min
